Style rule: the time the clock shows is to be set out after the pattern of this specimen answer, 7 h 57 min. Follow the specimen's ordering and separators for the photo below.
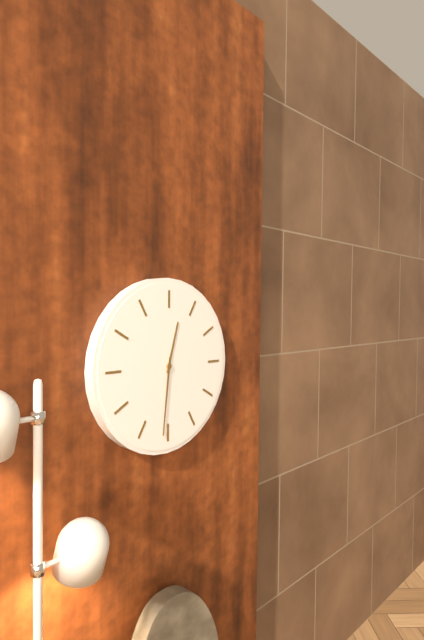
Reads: 12 h 31 min
